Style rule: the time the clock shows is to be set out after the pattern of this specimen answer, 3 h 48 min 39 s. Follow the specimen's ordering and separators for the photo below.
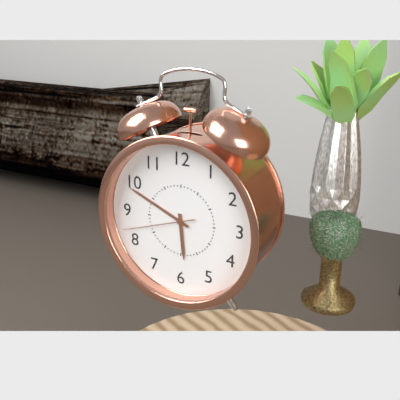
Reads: 5 h 49 min 42 s
